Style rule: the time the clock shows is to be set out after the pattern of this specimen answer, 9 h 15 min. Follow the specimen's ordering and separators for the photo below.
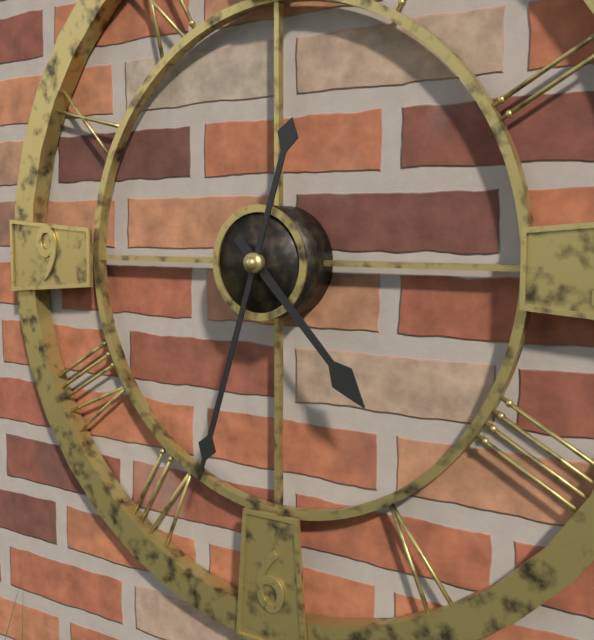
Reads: 4 h 33 min
